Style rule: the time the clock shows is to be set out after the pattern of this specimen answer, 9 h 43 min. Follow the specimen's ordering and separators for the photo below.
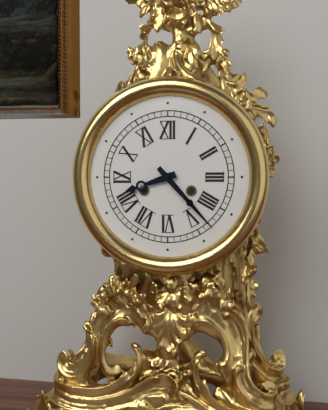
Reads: 8 h 23 min
